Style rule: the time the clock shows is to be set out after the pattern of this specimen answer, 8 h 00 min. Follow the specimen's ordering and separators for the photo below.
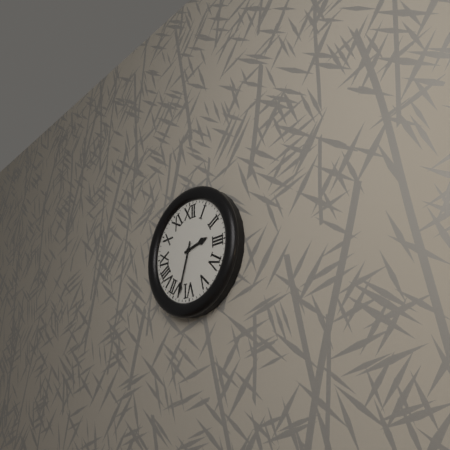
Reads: 2 h 33 min
